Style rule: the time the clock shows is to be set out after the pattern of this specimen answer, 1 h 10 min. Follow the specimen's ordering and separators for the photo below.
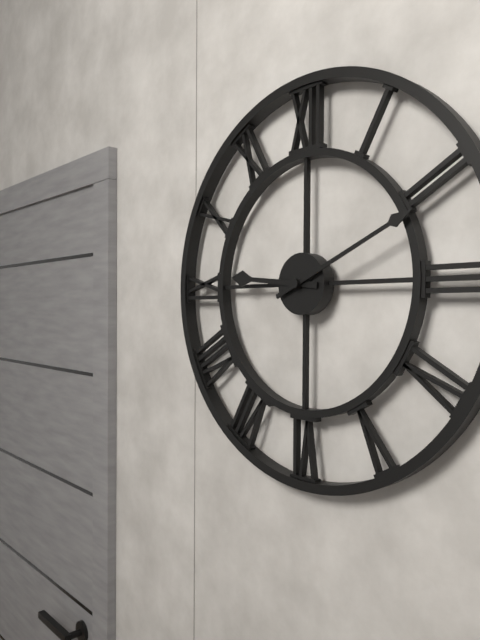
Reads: 9 h 11 min
